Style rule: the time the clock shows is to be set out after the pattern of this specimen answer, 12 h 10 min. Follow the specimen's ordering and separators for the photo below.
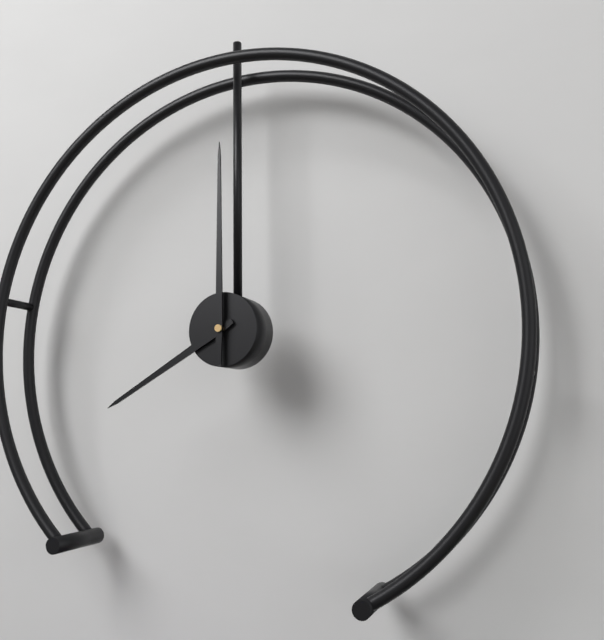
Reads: 8 h 00 min
